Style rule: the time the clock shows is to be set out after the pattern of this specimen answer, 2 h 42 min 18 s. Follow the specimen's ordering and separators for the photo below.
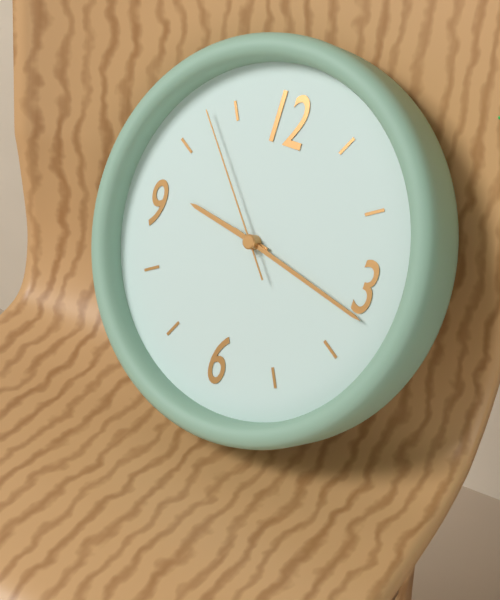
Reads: 9 h 17 min 53 s
